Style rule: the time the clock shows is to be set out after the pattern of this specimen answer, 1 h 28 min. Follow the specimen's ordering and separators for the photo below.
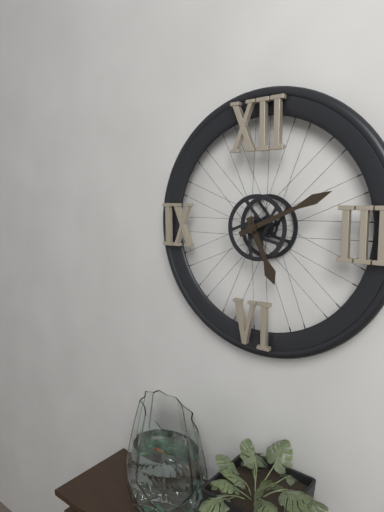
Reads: 5 h 11 min
